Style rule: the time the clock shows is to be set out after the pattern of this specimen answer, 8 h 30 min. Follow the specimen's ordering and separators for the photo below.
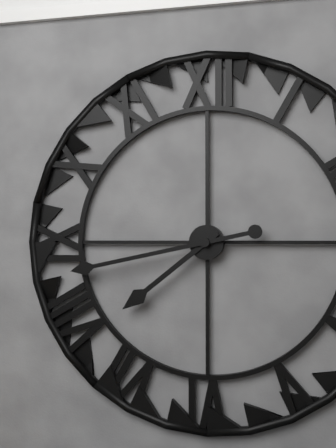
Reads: 7 h 43 min
